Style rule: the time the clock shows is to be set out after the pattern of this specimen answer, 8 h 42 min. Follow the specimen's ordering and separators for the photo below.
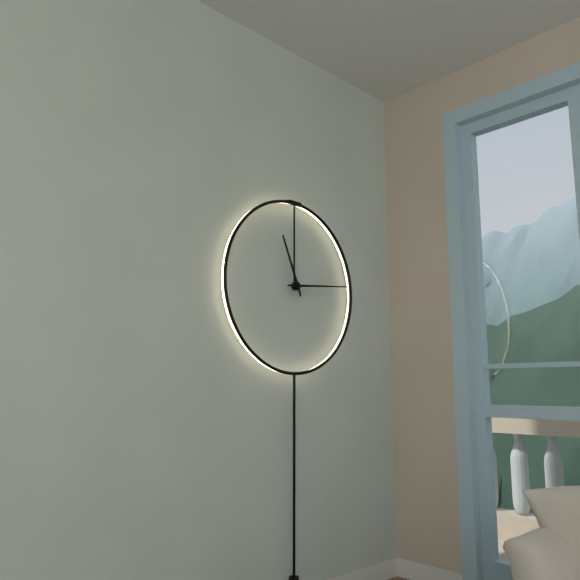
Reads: 11 h 14 min
